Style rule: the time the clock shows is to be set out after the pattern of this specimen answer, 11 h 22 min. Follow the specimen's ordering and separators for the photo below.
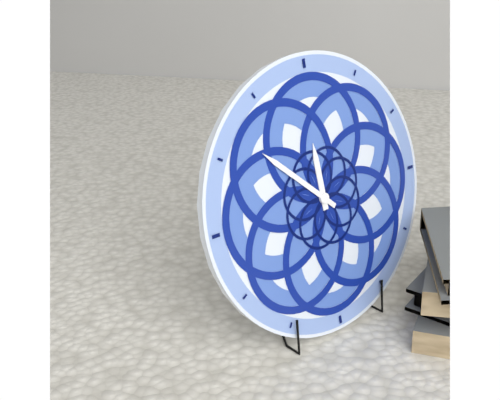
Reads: 11 h 52 min
